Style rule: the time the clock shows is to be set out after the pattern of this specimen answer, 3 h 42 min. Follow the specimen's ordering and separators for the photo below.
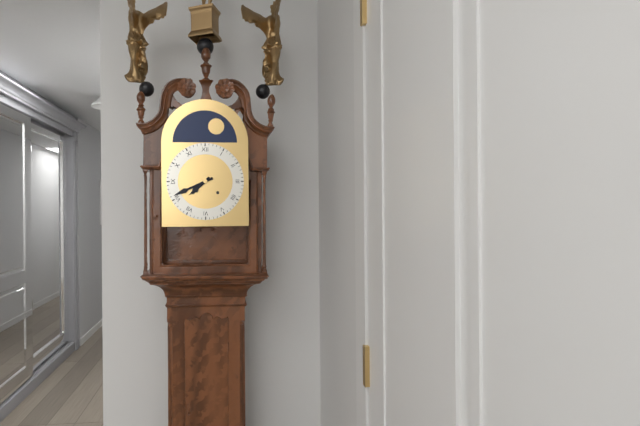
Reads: 7 h 41 min
